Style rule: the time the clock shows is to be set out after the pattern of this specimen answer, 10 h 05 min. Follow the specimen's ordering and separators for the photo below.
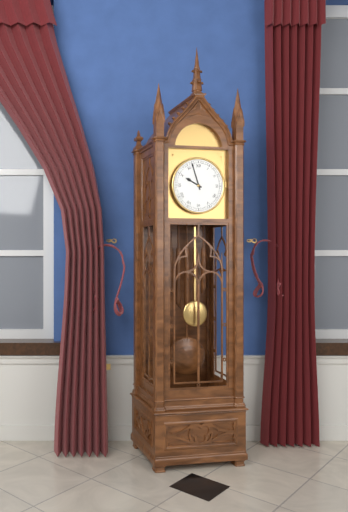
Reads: 9 h 57 min
